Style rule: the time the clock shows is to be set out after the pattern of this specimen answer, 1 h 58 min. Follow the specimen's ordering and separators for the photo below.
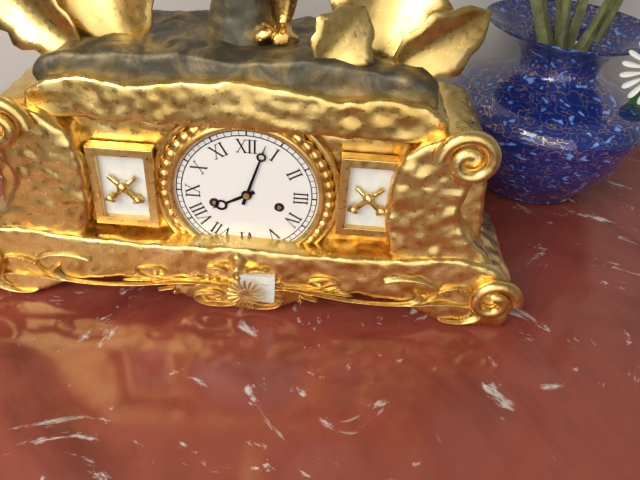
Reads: 8 h 03 min
